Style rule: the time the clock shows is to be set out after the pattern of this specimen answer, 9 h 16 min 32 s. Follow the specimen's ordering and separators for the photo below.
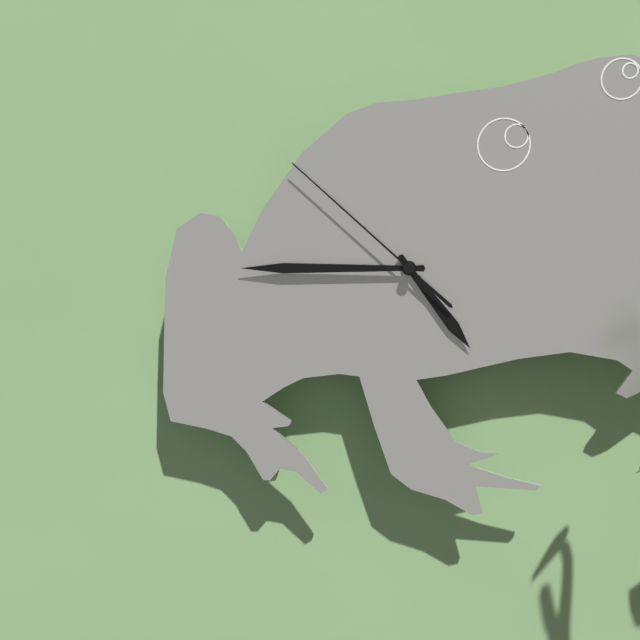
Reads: 4 h 45 min 52 s
